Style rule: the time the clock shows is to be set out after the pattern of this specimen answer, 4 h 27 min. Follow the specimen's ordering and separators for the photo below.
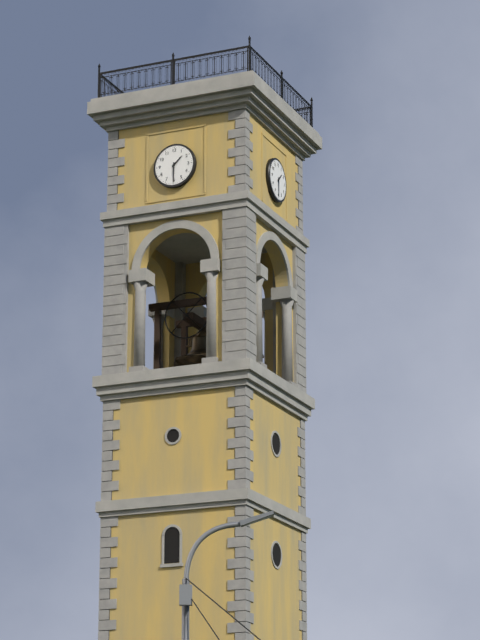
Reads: 1 h 30 min
